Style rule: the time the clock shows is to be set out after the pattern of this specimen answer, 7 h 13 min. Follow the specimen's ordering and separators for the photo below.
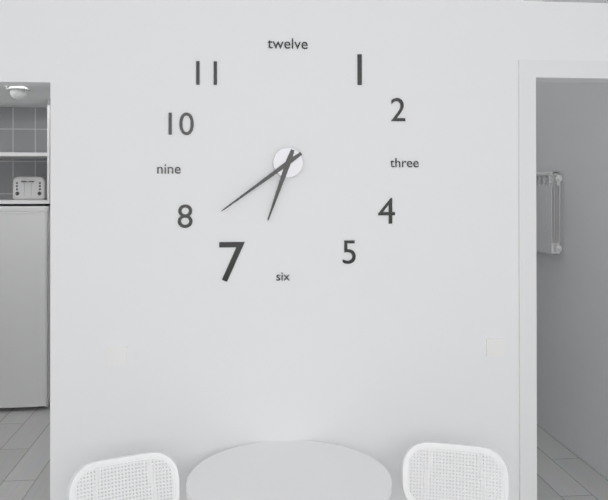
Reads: 6 h 39 min
